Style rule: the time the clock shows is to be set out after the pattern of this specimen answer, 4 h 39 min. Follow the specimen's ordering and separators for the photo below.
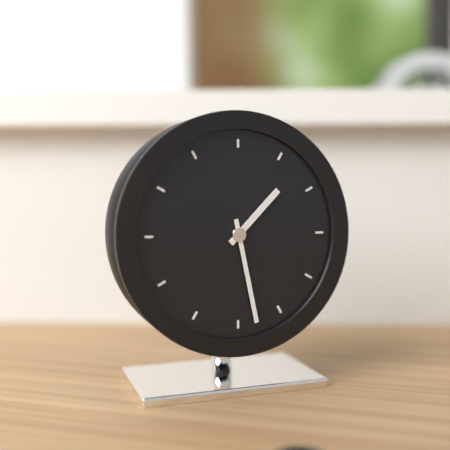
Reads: 1 h 28 min
